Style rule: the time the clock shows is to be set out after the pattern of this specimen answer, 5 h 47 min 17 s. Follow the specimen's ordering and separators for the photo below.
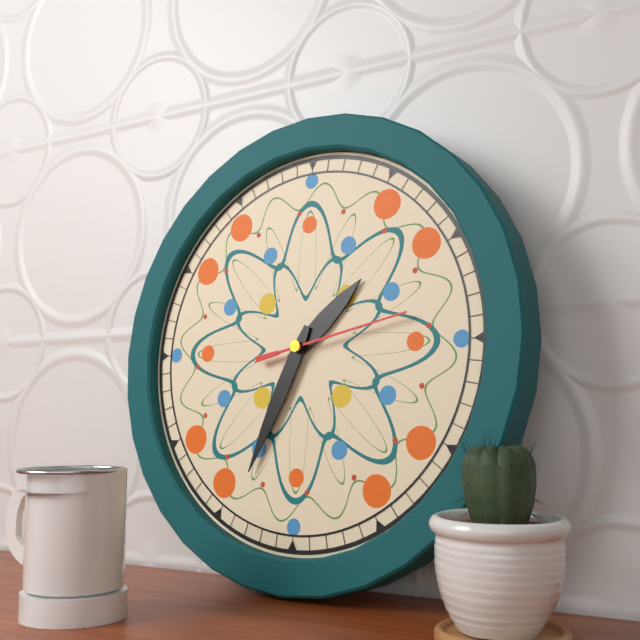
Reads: 1 h 34 min 13 s
